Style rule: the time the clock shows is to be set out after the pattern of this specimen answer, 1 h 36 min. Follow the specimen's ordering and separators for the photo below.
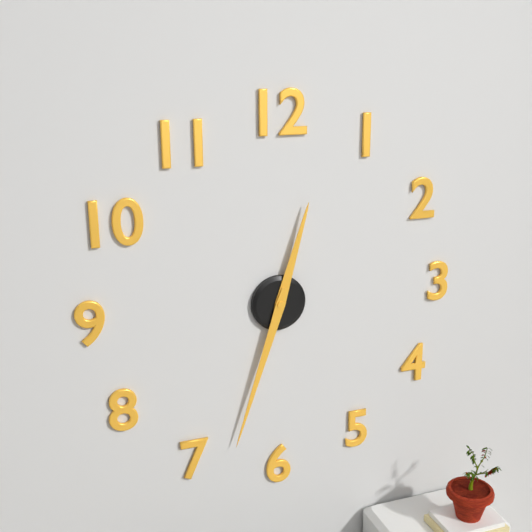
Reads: 12 h 33 min
